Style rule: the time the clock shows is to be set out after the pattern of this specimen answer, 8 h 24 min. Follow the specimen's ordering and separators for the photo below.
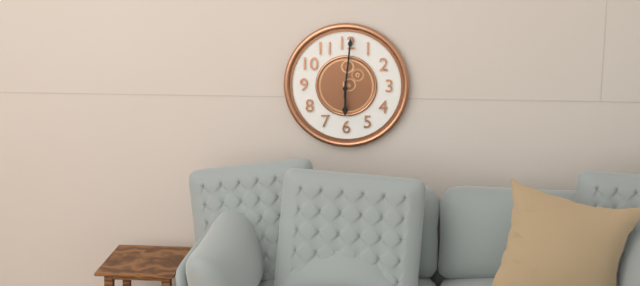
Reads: 6 h 01 min
